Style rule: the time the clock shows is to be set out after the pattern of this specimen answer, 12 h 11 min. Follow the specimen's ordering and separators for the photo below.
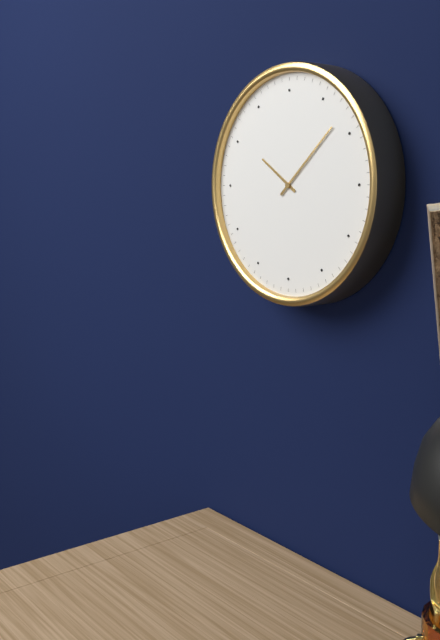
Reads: 10 h 08 min
